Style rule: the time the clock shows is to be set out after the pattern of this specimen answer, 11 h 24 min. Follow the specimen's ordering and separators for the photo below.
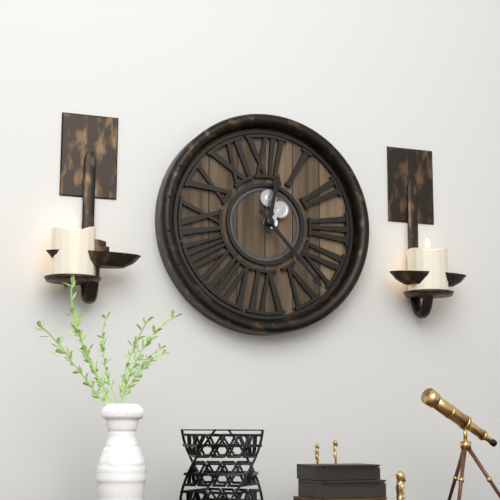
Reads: 12 h 23 min
